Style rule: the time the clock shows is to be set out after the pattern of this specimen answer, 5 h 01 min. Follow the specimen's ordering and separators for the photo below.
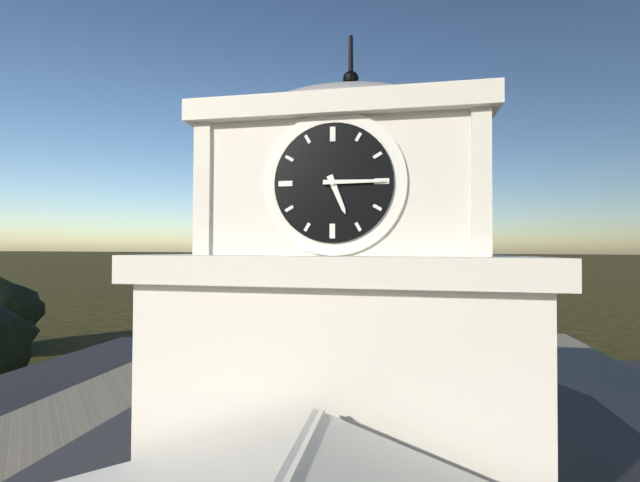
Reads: 5 h 15 min
